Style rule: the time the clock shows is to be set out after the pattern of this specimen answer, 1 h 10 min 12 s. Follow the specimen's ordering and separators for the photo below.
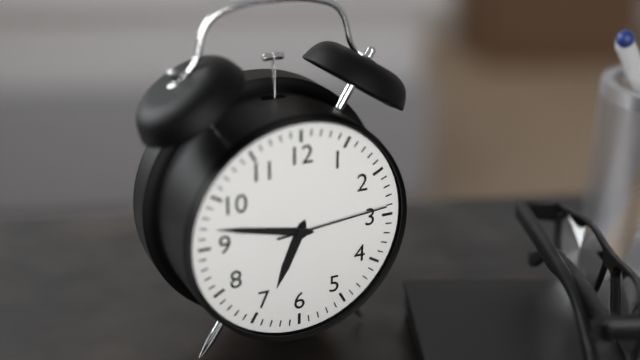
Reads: 6 h 47 min 14 s
